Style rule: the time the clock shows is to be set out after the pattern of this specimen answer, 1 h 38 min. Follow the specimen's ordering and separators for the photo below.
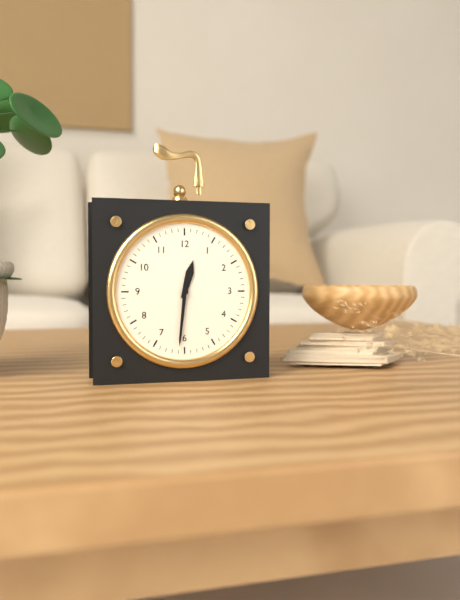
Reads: 12 h 31 min
